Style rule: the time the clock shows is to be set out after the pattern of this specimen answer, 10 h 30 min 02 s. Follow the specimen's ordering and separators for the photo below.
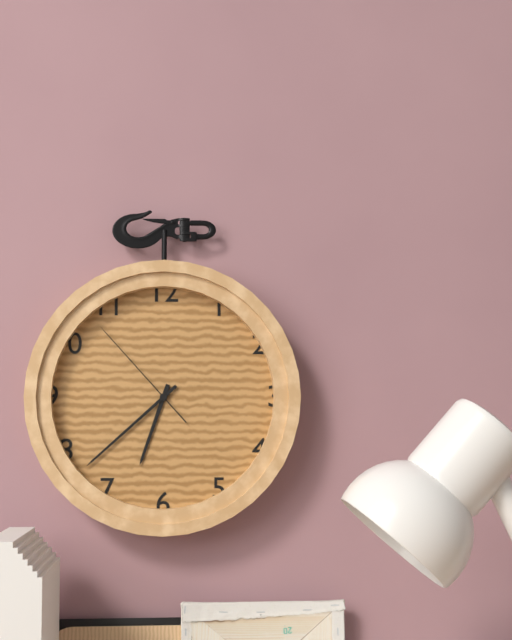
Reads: 6 h 38 min 53 s
